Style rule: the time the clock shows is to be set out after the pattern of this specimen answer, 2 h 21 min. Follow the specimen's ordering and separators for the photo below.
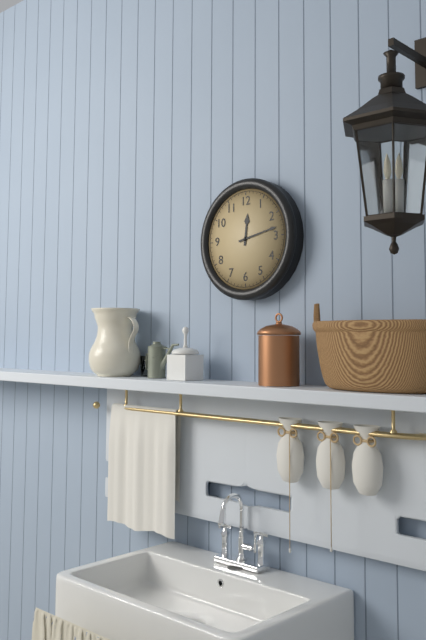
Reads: 12 h 13 min
